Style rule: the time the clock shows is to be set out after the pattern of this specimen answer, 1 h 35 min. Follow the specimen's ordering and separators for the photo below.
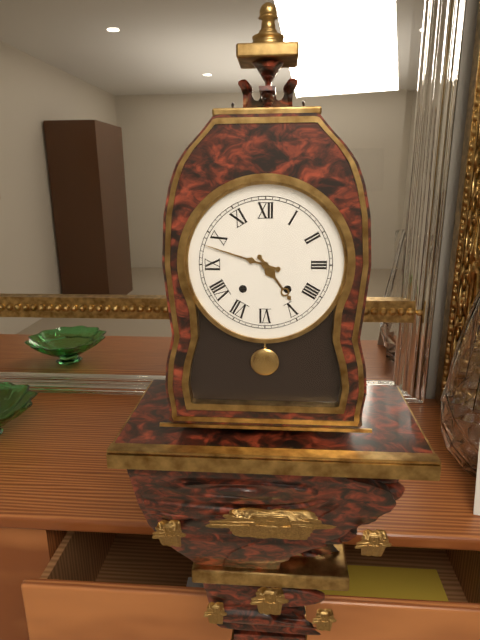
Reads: 4 h 48 min
